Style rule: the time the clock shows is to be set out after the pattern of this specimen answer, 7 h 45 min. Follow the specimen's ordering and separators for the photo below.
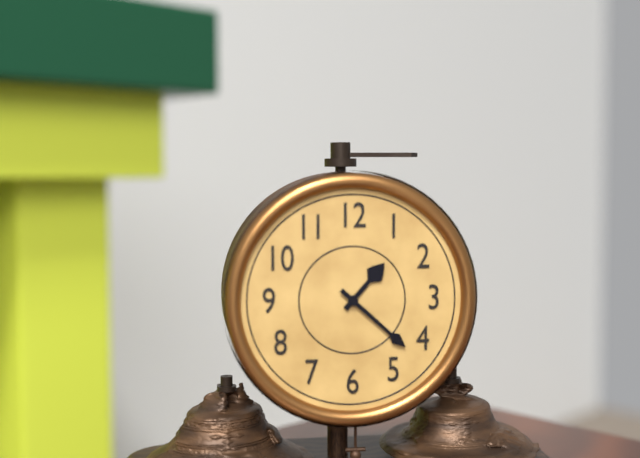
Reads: 1 h 22 min
